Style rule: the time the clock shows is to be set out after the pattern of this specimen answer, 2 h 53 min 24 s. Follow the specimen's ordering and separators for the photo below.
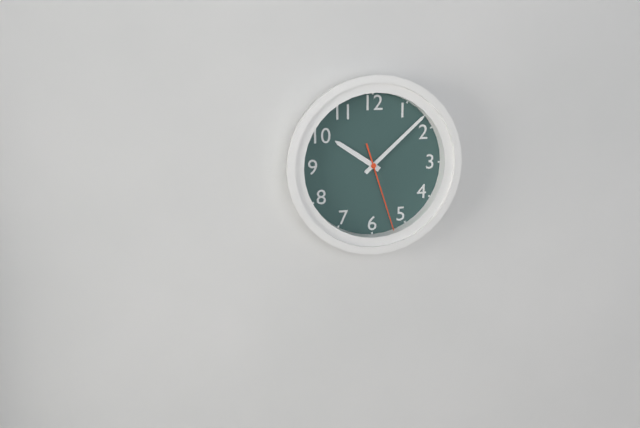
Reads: 10 h 08 min 27 s
